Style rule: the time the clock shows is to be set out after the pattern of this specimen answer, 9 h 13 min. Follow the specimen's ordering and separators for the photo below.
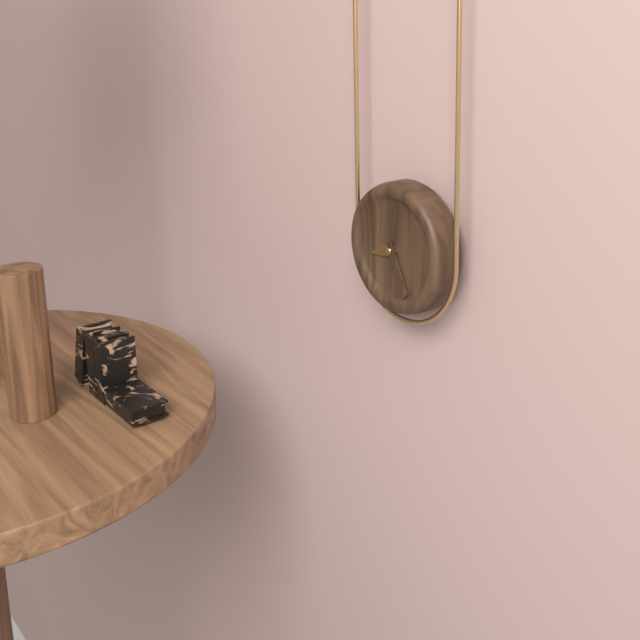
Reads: 8 h 26 min
